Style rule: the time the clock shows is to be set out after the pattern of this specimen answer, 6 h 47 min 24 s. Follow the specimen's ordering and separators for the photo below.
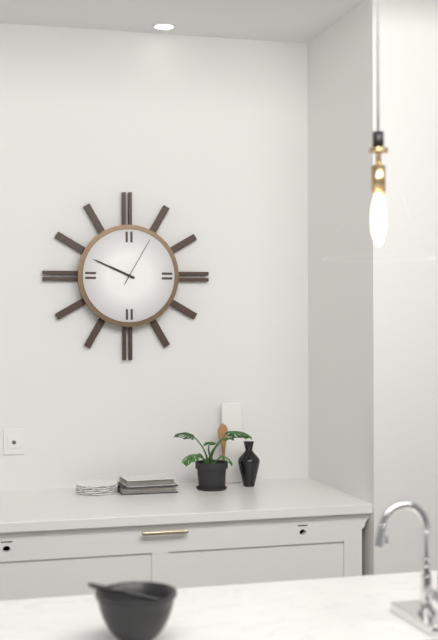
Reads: 9 h 49 min 05 s
